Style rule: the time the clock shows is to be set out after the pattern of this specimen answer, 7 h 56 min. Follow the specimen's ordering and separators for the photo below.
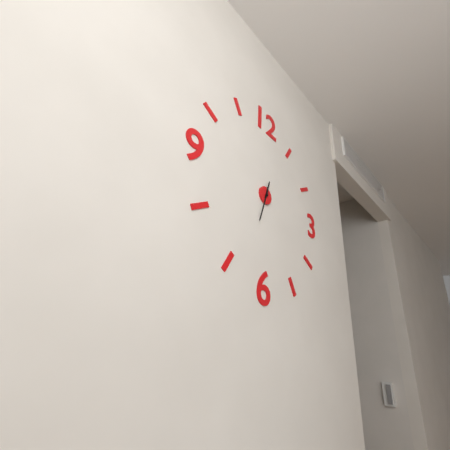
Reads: 12 h 33 min
